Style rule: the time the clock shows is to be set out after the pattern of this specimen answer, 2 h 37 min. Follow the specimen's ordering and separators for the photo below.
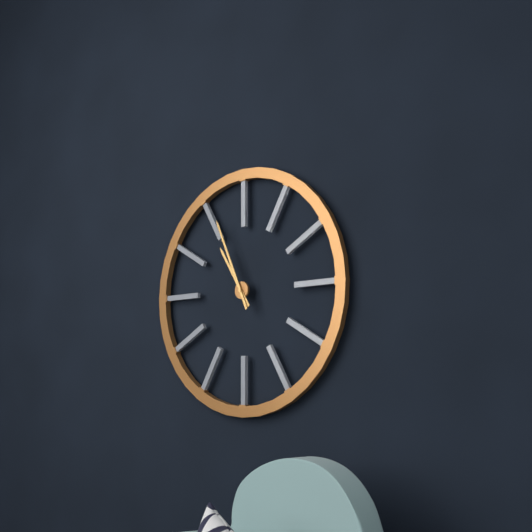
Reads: 10 h 56 min
